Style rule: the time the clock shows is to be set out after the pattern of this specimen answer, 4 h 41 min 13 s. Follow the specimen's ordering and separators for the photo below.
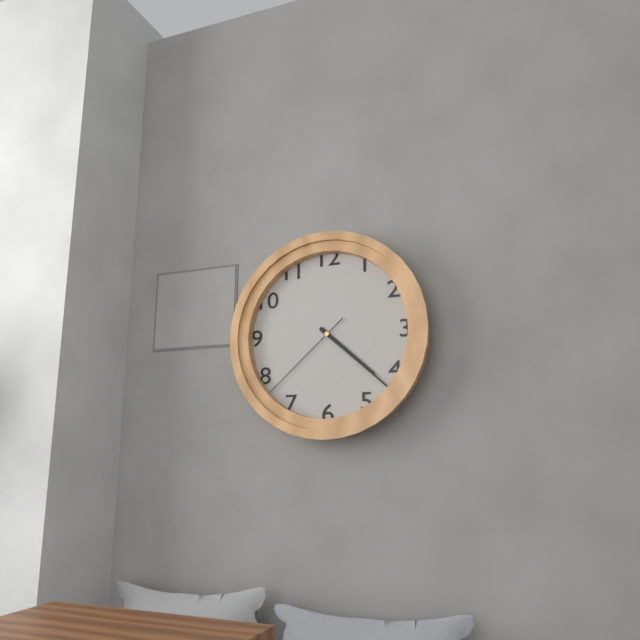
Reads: 4 h 22 min 38 s
